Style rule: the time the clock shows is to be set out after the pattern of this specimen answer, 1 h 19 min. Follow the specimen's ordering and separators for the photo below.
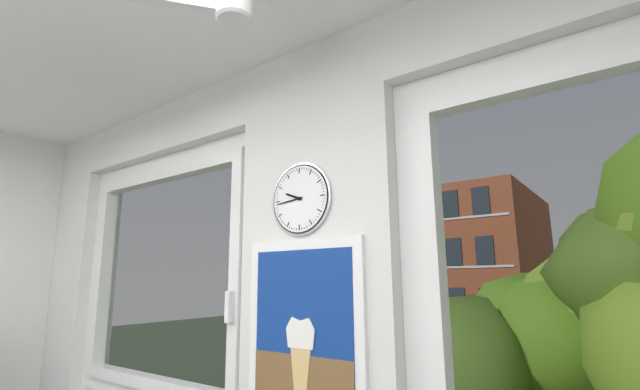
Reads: 9 h 44 min
